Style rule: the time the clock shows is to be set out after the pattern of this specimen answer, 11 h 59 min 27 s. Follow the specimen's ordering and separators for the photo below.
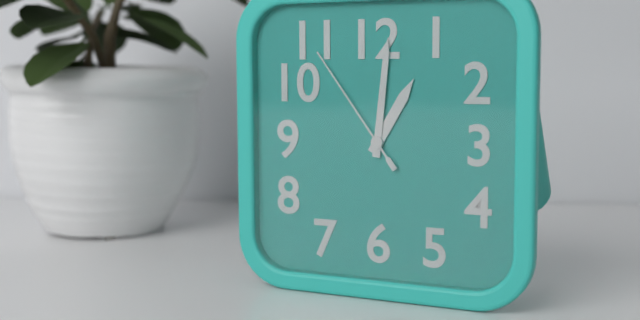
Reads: 1 h 01 min 54 s
